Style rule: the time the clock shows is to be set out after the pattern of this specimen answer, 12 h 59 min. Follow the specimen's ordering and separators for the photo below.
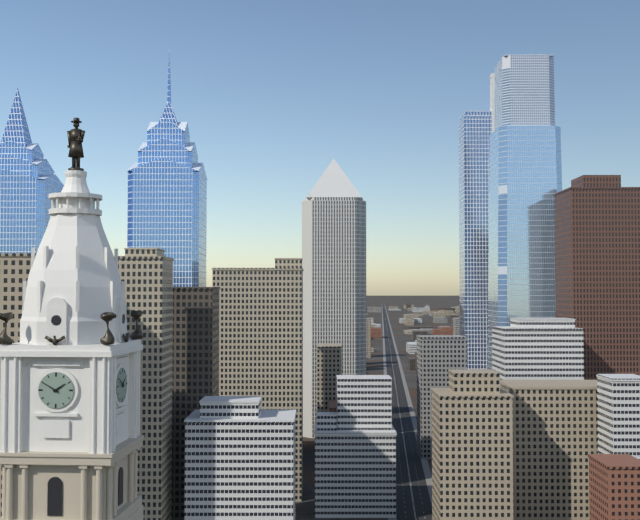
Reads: 1 h 50 min
